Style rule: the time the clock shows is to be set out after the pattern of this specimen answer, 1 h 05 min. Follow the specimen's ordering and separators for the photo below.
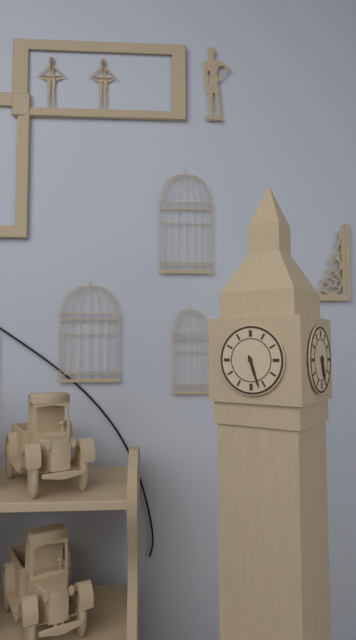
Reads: 5 h 27 min
